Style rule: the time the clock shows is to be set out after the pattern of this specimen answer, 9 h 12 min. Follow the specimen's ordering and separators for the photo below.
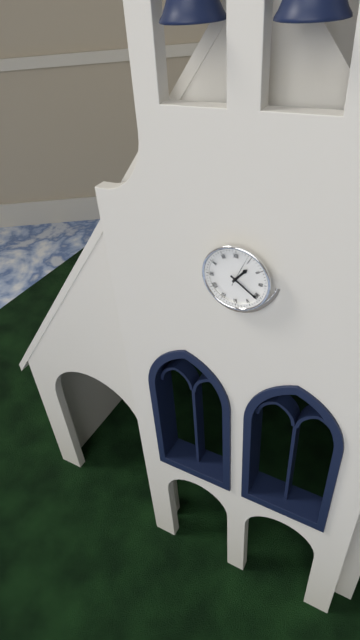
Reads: 1 h 21 min
